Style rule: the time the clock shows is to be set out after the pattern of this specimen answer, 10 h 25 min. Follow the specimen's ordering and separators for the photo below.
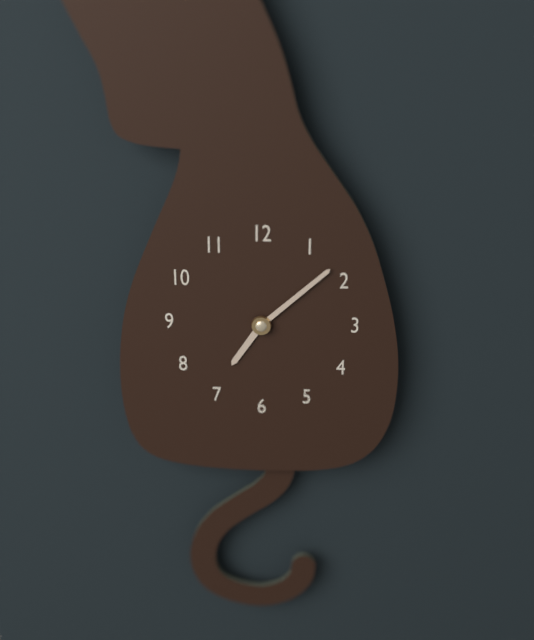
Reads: 7 h 08 min
